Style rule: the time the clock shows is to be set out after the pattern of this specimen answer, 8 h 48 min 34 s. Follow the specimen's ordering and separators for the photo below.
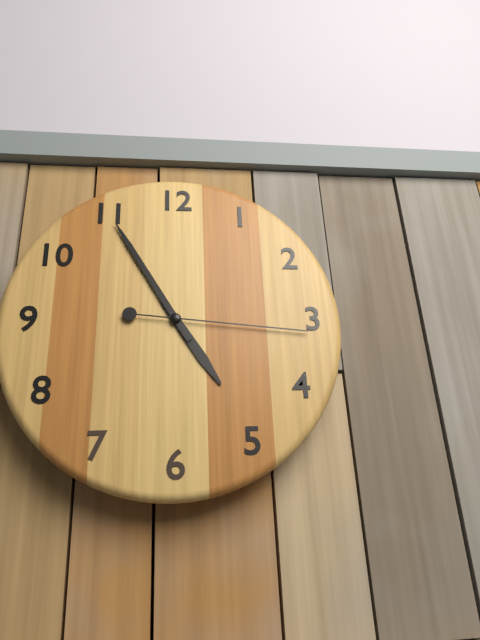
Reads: 4 h 55 min 16 s
